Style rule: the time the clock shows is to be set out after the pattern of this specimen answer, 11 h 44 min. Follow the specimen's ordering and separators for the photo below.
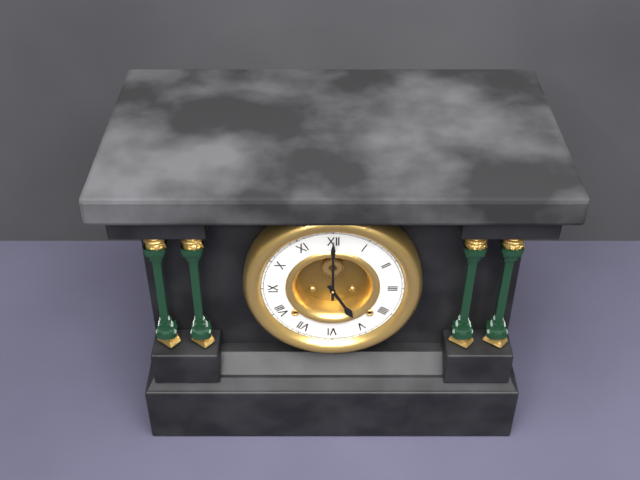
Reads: 5 h 00 min
